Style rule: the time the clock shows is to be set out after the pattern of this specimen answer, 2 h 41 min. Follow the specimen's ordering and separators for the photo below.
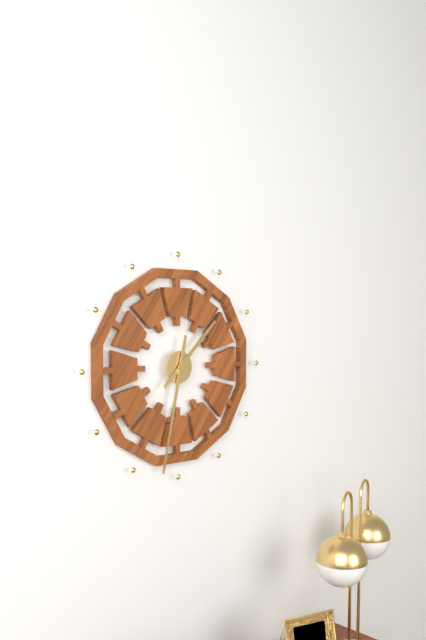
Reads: 1 h 32 min
